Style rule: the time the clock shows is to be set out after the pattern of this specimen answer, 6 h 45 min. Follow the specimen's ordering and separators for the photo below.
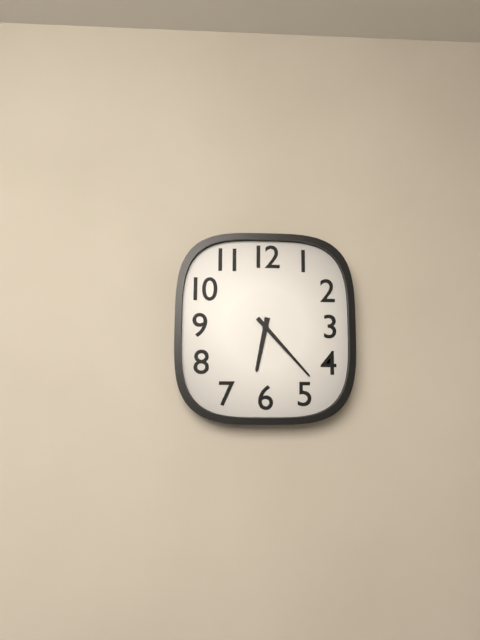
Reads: 6 h 23 min
